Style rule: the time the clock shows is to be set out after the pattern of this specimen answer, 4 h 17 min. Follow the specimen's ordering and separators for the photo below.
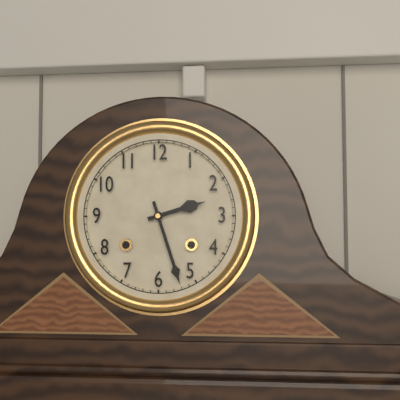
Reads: 2 h 27 min
